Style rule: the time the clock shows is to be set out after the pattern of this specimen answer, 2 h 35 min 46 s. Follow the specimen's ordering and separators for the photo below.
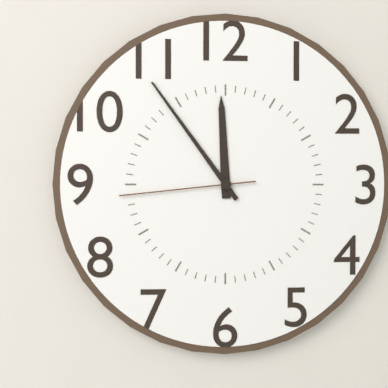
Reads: 11 h 54 min 44 s
